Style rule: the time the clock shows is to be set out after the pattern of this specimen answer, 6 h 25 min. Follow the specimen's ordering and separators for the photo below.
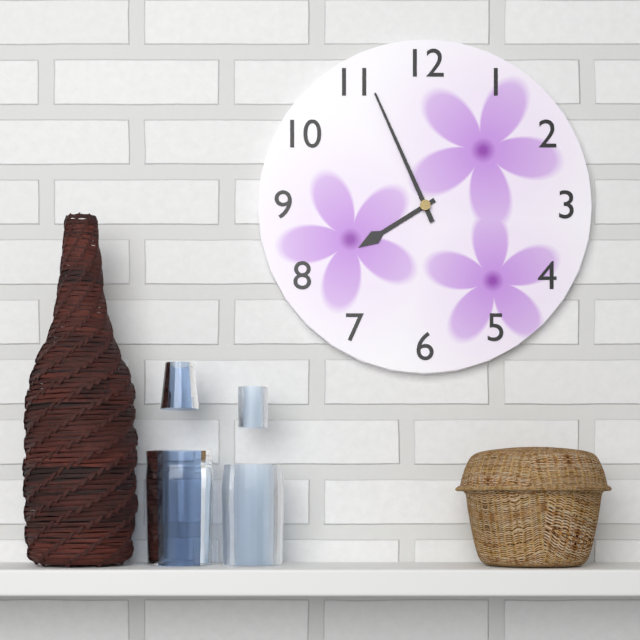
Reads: 7 h 56 min
